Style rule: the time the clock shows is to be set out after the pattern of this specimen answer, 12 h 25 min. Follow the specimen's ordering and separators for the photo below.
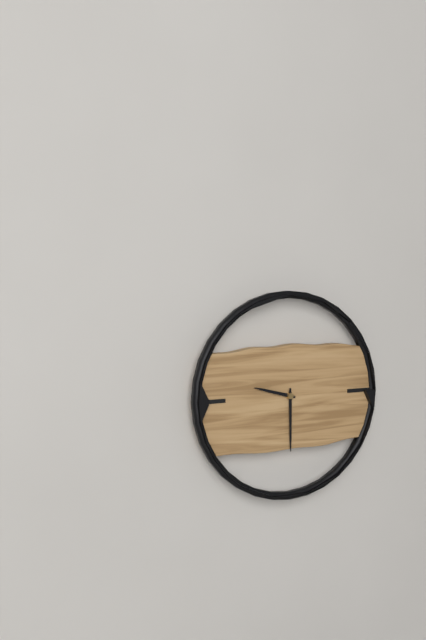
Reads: 9 h 30 min
